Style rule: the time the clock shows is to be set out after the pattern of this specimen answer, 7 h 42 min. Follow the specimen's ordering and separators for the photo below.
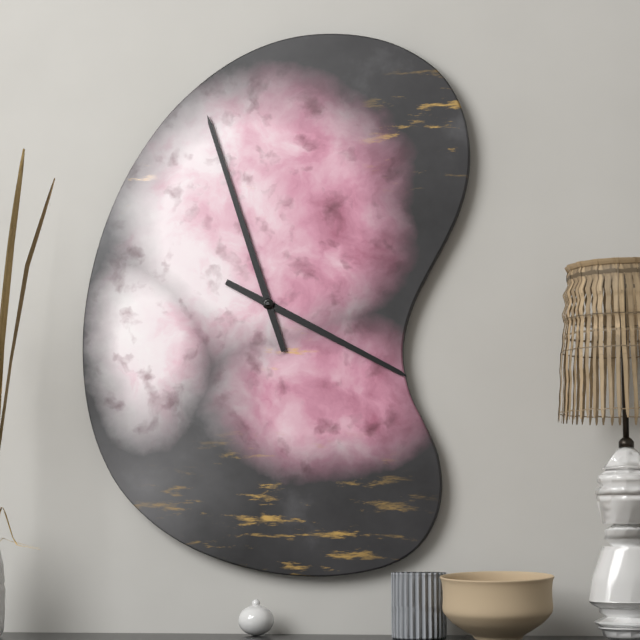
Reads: 3 h 57 min
